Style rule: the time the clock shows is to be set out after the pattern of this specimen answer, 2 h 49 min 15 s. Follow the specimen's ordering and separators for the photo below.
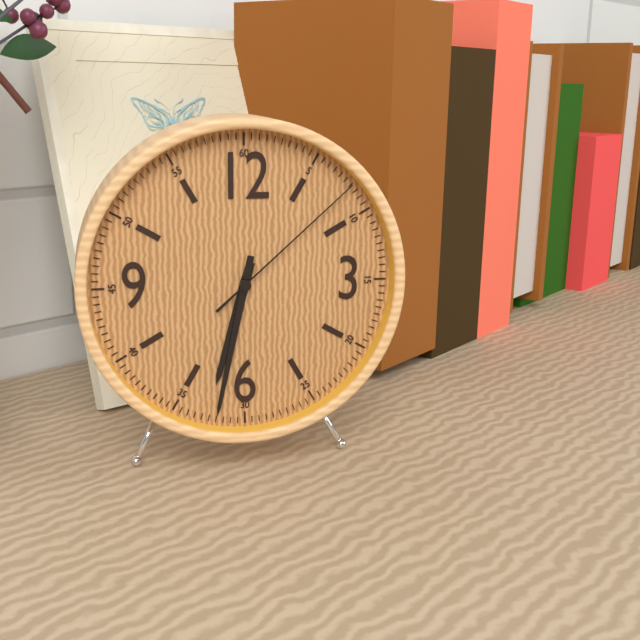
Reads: 6 h 32 min 08 s
